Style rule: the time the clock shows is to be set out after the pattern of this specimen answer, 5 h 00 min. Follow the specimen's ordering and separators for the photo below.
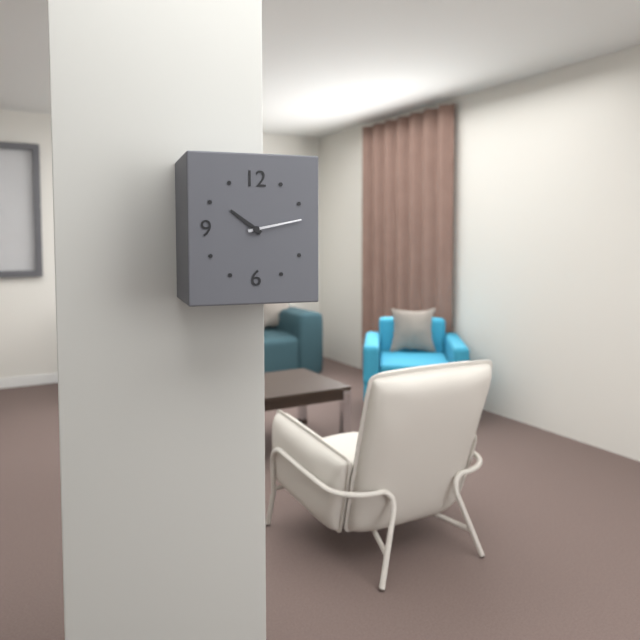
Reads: 10 h 13 min
